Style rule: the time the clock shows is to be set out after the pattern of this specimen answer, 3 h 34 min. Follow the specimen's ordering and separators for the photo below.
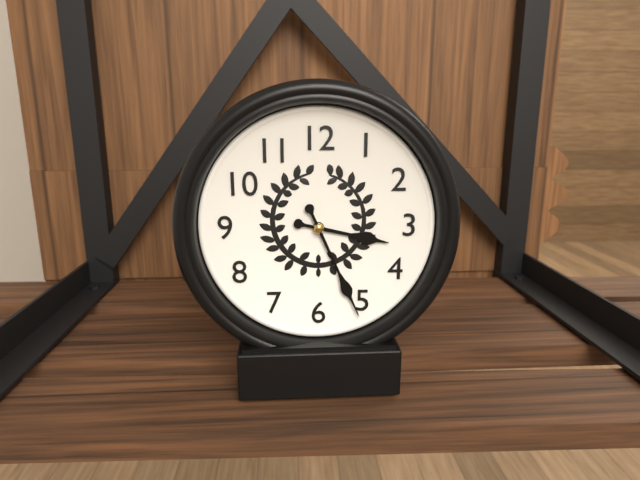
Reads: 3 h 26 min
